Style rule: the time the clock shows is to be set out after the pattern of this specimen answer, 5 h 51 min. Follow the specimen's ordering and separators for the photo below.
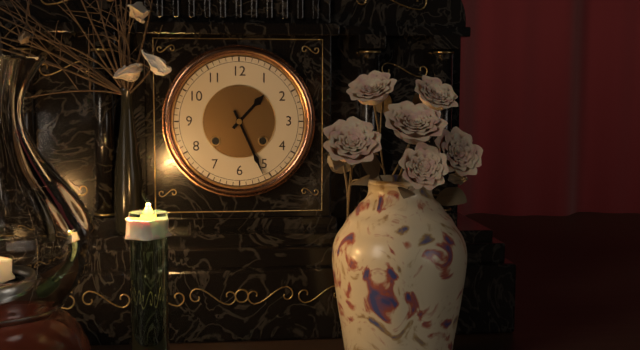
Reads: 1 h 26 min
